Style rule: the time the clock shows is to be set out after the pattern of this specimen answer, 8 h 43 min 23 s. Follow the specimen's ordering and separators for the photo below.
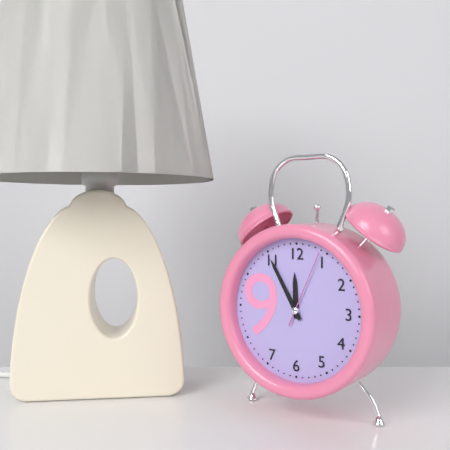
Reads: 11 h 55 min 04 s
